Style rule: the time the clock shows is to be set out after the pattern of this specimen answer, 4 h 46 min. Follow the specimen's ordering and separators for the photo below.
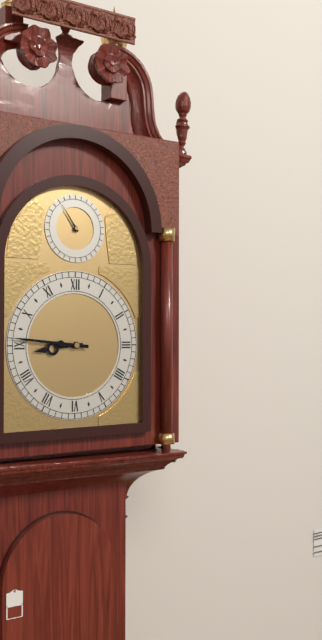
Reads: 8 h 46 min
